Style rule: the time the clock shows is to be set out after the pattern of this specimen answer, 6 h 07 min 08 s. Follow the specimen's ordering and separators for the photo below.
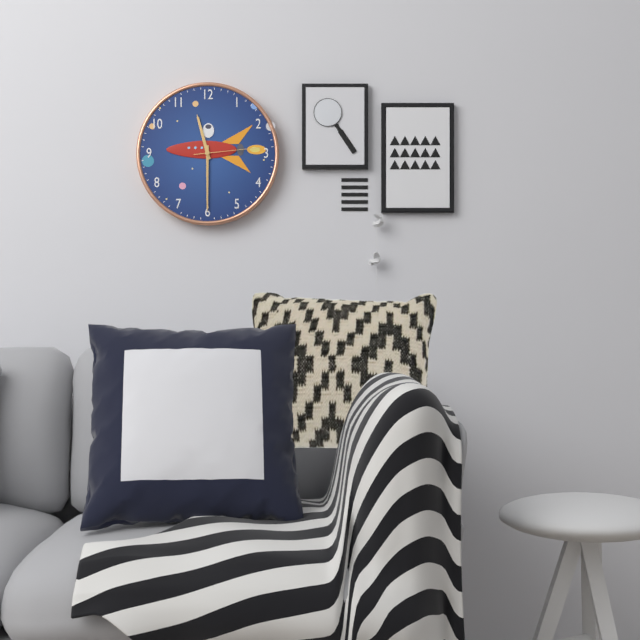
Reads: 11 h 30 min 14 s
